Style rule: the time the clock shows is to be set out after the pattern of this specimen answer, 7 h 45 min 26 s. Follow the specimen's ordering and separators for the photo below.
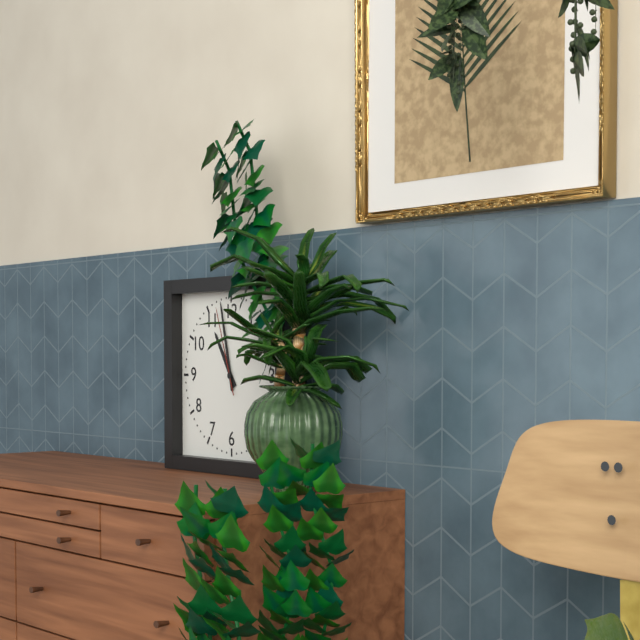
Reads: 10 h 58 min 57 s
